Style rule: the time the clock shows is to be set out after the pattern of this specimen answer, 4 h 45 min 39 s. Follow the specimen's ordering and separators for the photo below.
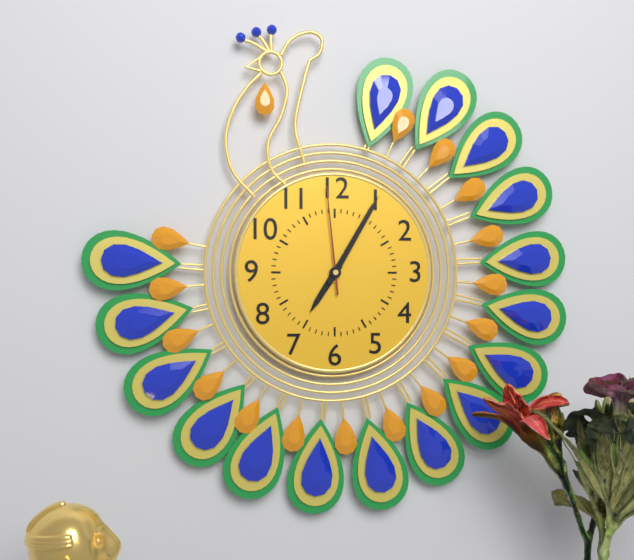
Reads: 7 h 05 min 59 s
